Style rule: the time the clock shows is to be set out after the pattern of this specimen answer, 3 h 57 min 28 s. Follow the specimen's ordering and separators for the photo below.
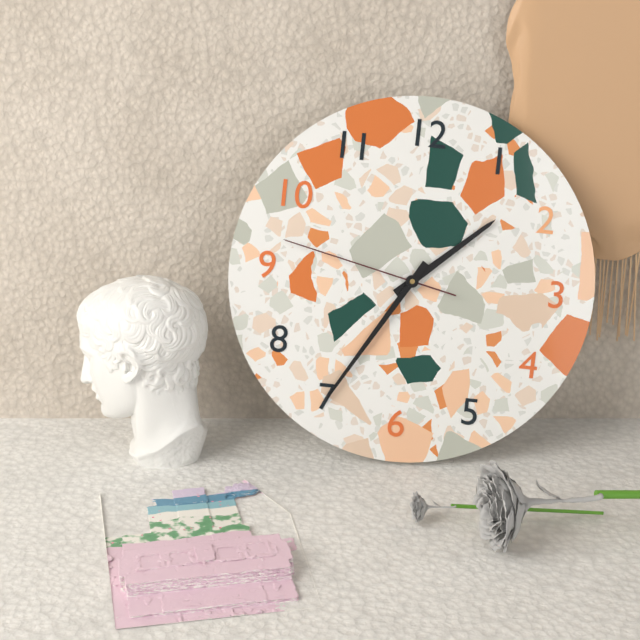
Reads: 1 h 35 min 47 s
